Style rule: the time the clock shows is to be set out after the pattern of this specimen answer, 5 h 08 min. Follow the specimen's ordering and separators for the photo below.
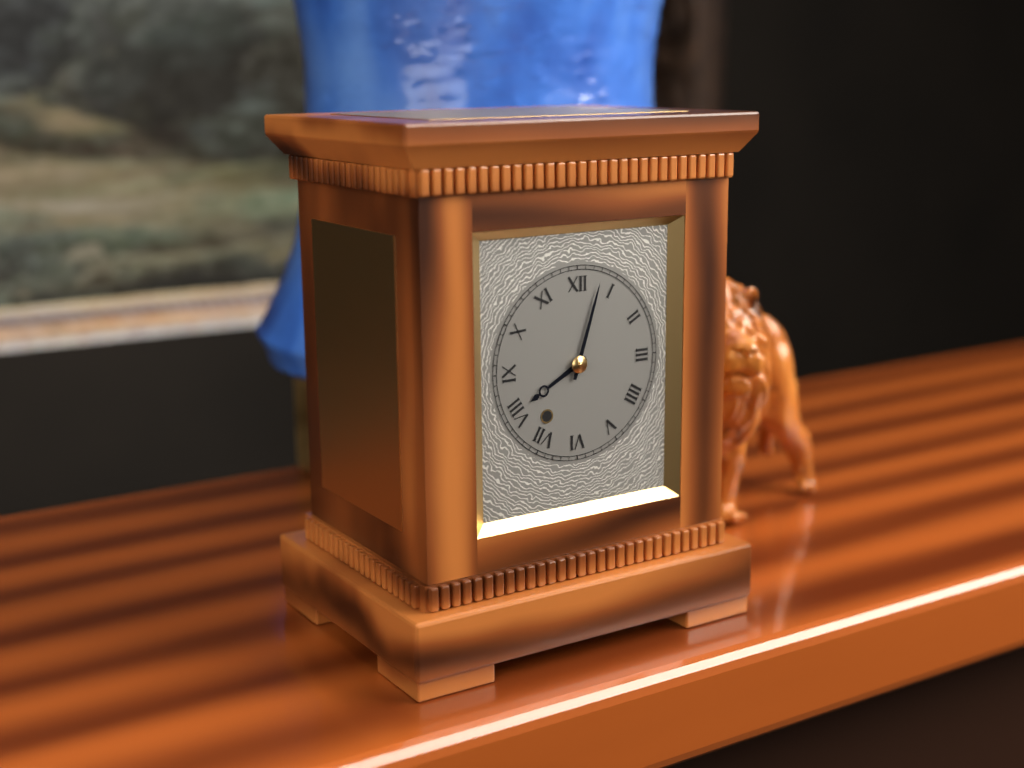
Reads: 8 h 03 min
